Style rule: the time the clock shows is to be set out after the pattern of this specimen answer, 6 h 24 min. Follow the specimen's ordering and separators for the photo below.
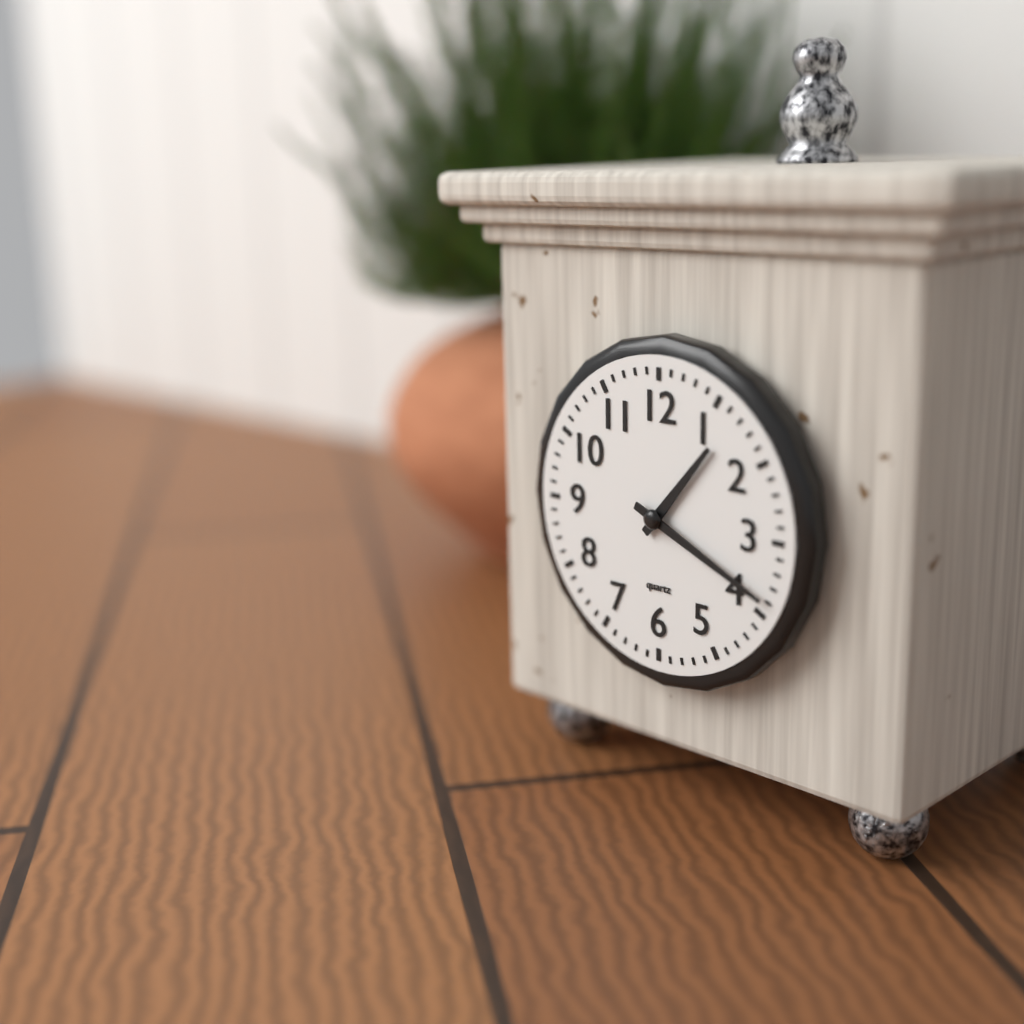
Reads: 1 h 19 min
